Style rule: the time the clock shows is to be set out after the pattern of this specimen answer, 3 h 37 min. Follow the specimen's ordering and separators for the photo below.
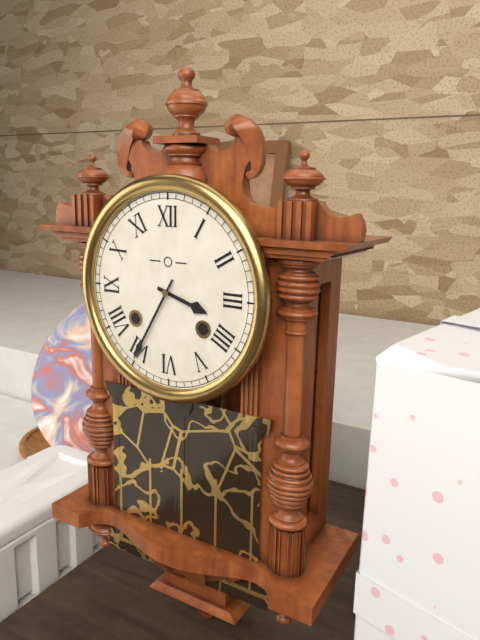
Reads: 3 h 35 min
